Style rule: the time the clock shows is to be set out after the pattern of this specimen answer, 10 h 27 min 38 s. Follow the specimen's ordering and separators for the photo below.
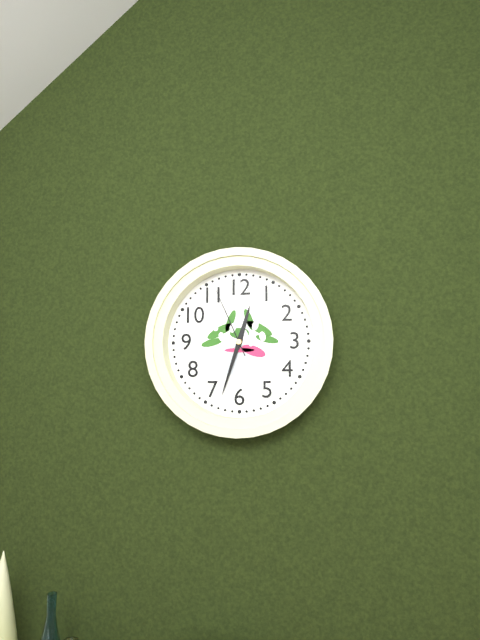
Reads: 12 h 33 min 56 s
